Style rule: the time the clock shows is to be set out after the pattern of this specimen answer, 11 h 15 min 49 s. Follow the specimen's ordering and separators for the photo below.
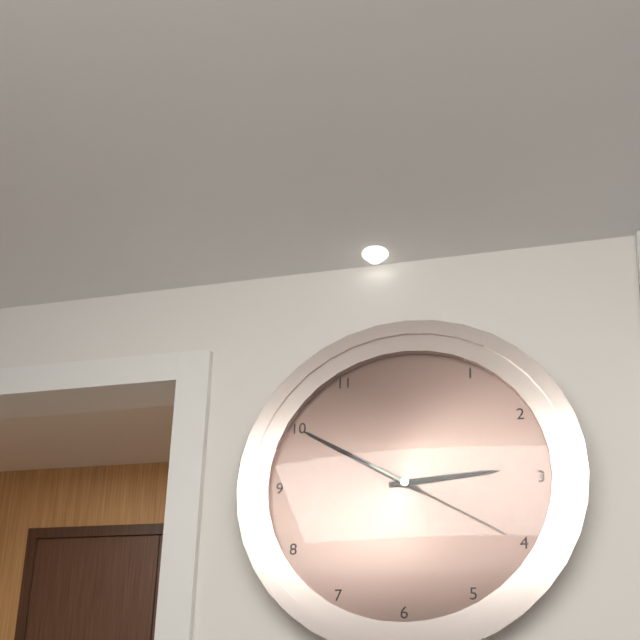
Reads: 2 h 50 min 20 s
